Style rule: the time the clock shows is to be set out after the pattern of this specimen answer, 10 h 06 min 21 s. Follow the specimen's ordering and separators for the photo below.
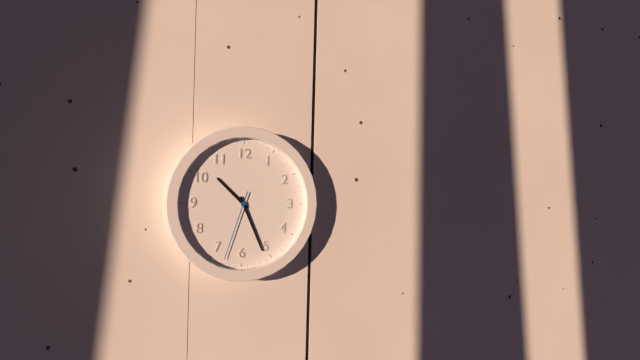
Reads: 10 h 26 min 33 s
